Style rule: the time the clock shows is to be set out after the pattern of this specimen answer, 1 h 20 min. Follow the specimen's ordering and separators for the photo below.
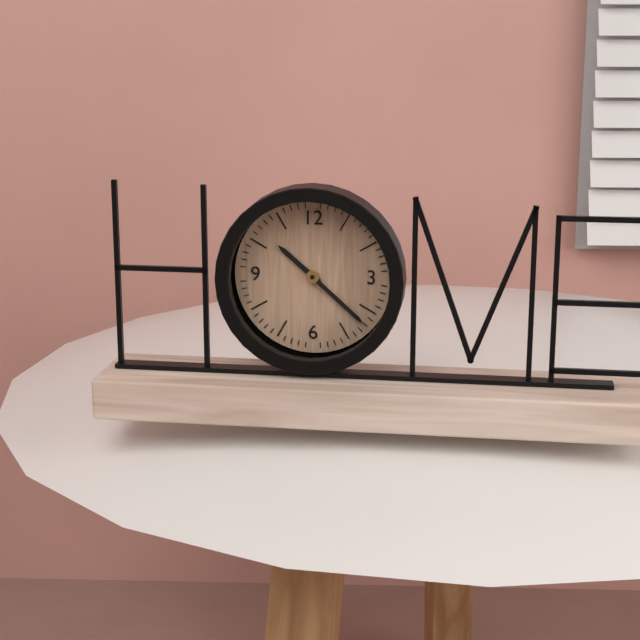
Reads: 10 h 22 min
